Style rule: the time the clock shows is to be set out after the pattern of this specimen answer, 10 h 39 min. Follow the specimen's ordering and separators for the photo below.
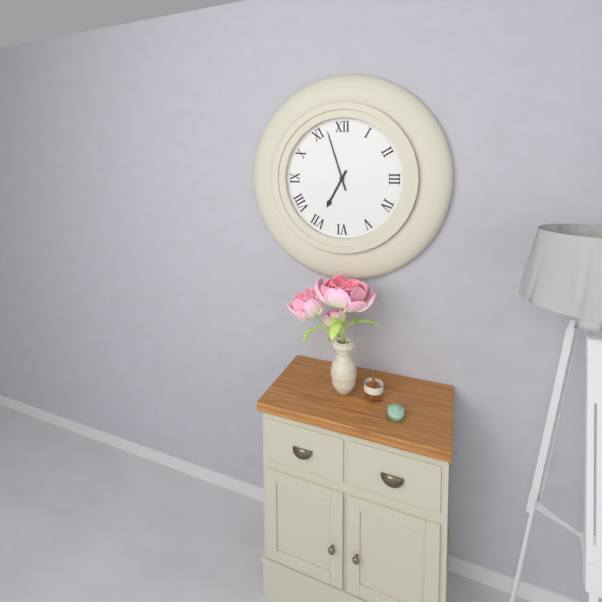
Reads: 6 h 57 min
